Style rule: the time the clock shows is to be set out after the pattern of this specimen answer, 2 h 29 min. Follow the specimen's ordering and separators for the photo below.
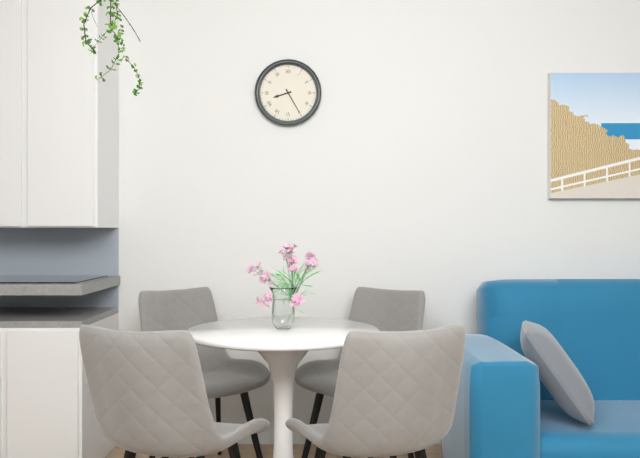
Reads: 8 h 25 min
